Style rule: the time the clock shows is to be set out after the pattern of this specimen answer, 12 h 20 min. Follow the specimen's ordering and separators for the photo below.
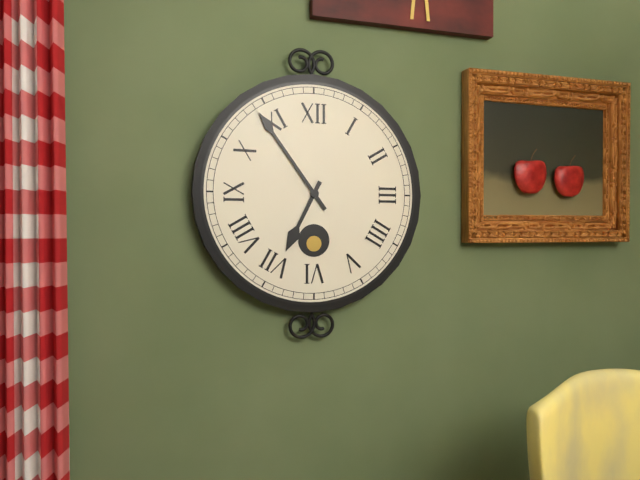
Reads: 6 h 54 min
